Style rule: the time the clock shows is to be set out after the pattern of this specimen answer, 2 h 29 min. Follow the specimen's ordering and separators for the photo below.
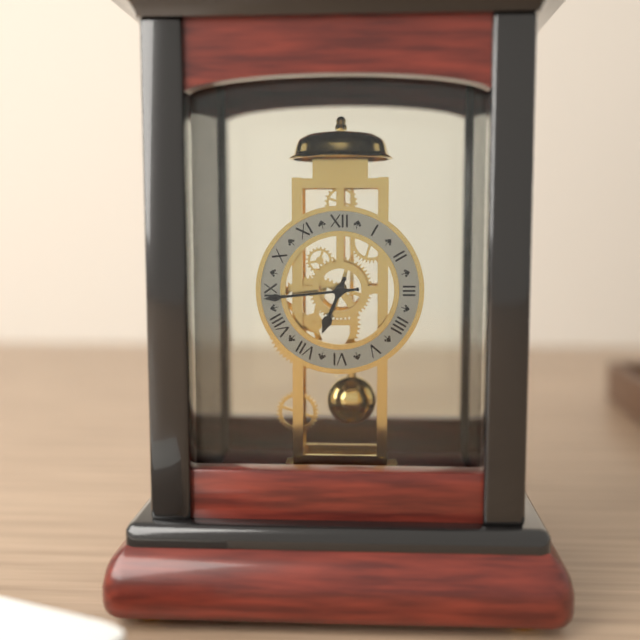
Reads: 6 h 44 min
